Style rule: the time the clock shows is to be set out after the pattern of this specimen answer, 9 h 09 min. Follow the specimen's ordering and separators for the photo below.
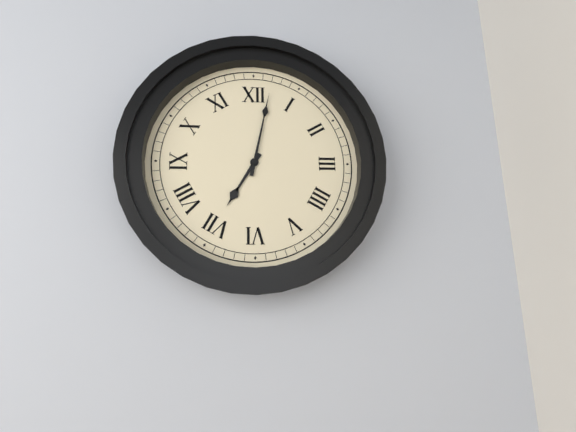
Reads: 7 h 02 min
